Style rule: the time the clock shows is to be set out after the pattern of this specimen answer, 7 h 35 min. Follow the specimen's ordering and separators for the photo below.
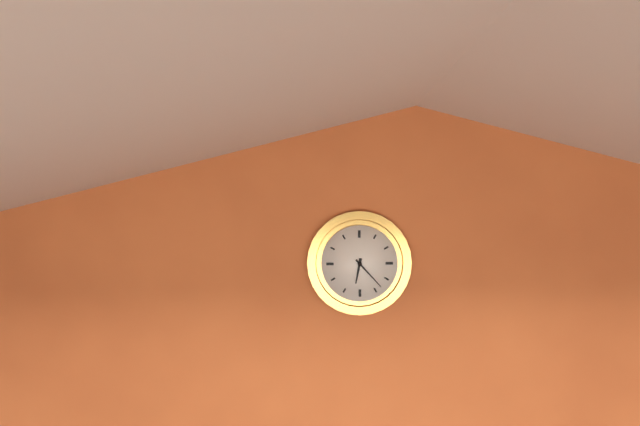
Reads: 6 h 23 min
